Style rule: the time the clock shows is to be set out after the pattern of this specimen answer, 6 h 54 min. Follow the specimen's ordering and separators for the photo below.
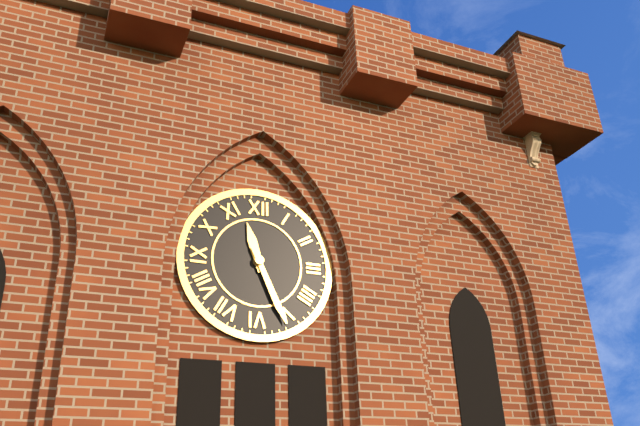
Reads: 11 h 26 min
